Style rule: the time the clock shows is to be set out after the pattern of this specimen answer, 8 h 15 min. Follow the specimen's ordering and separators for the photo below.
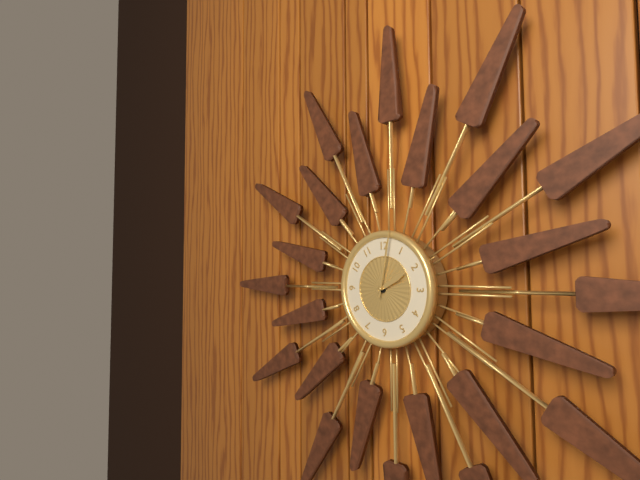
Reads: 2 h 02 min
